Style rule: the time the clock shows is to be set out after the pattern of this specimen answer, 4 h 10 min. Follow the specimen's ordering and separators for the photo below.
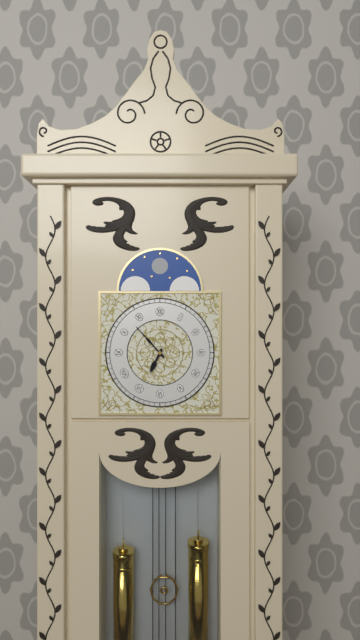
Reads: 6 h 53 min
